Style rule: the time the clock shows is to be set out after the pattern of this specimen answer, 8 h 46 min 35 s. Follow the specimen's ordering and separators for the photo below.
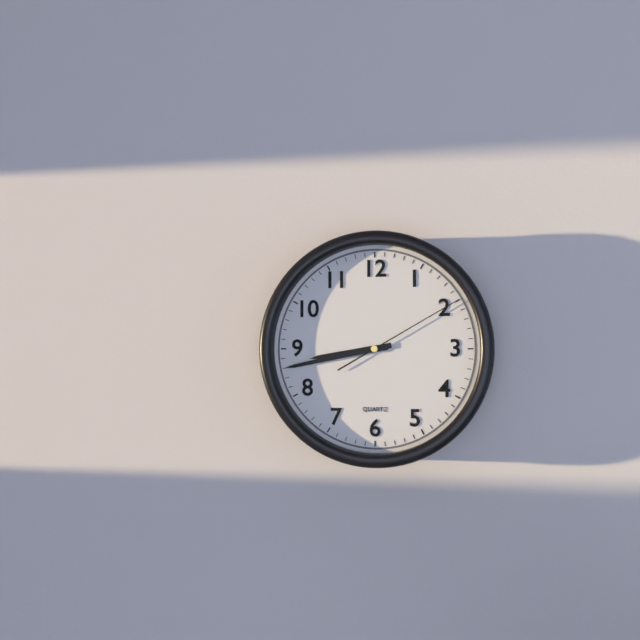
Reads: 8 h 43 min 10 s
